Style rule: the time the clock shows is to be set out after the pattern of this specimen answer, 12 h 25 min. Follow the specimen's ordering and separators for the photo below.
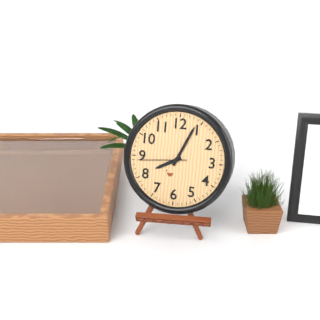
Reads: 8 h 04 min
